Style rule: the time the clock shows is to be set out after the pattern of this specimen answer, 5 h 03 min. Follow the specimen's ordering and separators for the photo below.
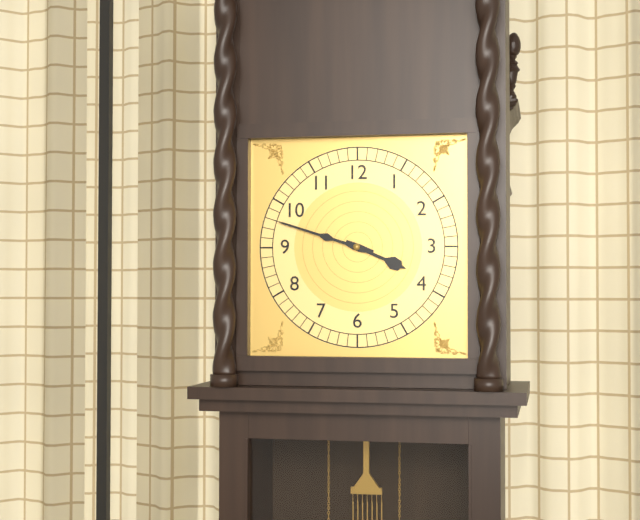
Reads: 3 h 48 min
